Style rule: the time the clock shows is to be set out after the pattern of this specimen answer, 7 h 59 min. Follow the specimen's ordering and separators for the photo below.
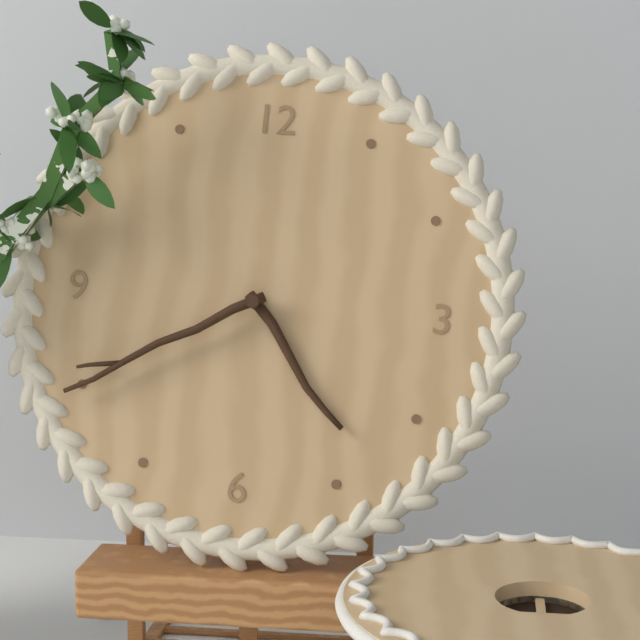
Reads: 4 h 40 min
